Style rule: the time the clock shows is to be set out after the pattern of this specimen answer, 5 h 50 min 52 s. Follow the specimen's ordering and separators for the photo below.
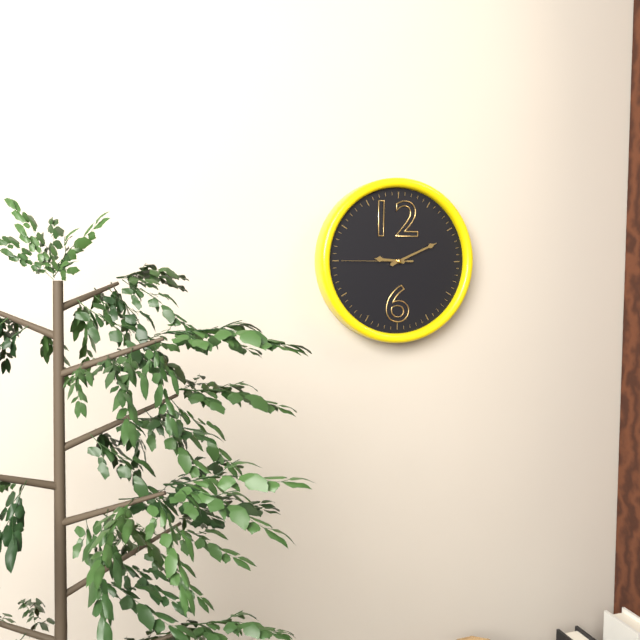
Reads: 9 h 11 min 45 s
